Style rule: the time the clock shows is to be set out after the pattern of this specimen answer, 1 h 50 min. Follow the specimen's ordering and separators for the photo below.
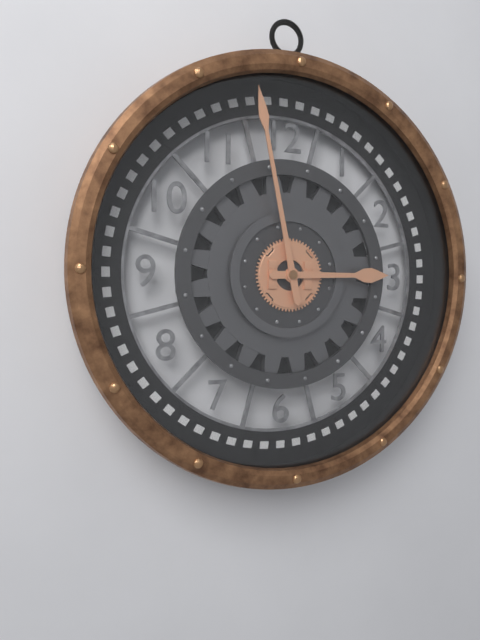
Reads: 2 h 58 min
